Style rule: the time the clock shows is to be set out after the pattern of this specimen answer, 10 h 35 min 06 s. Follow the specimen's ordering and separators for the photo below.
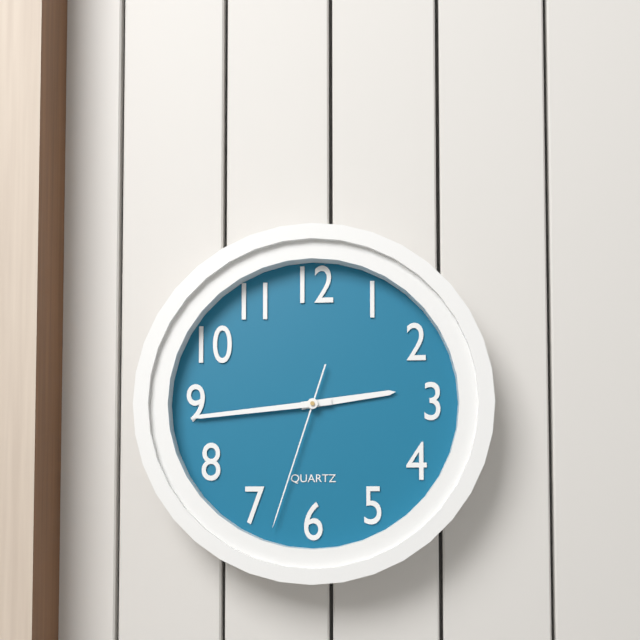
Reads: 2 h 44 min 33 s
